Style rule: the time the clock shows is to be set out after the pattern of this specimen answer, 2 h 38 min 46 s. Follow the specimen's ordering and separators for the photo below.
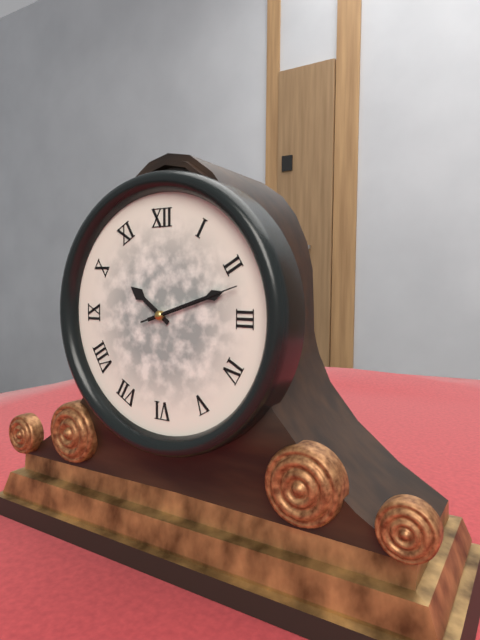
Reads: 10 h 12 min 12 s
